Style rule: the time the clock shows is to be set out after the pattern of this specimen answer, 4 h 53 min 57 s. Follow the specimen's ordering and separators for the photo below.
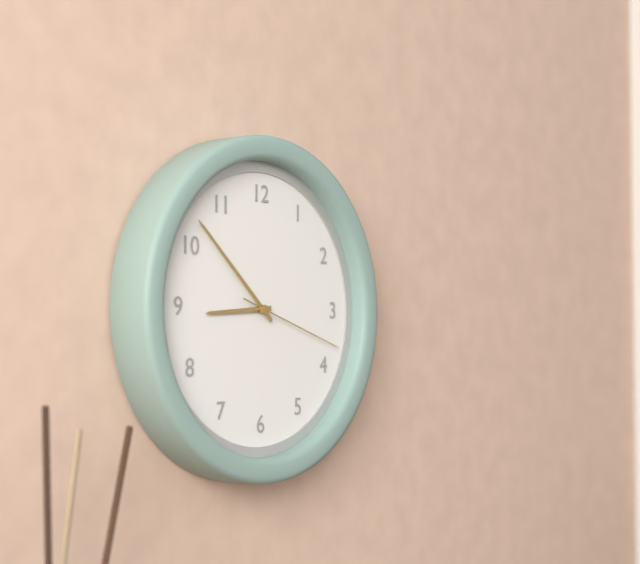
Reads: 8 h 52 min 18 s
